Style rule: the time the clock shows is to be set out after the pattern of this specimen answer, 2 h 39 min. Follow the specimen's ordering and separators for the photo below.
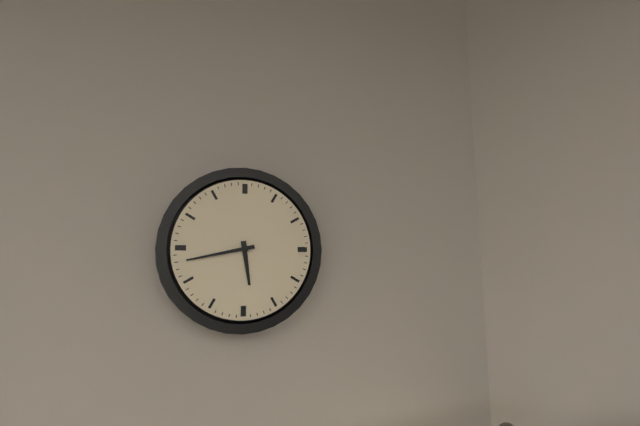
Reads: 5 h 43 min
